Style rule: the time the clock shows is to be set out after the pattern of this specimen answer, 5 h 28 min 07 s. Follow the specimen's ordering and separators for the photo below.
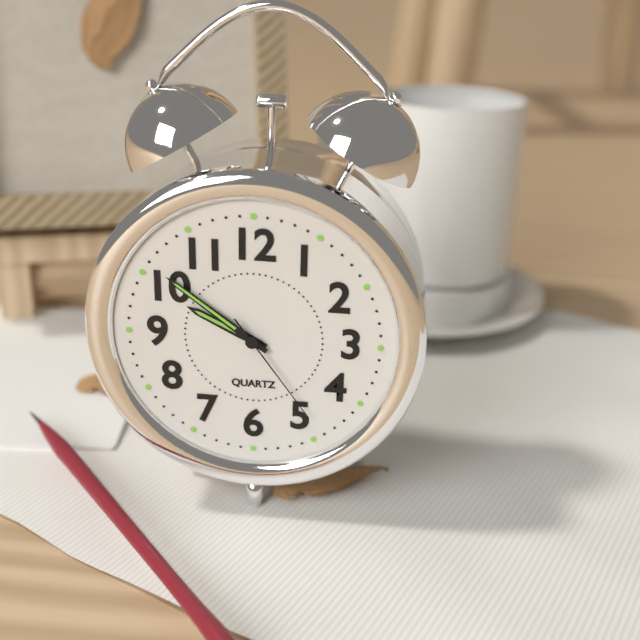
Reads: 9 h 51 min 24 s
